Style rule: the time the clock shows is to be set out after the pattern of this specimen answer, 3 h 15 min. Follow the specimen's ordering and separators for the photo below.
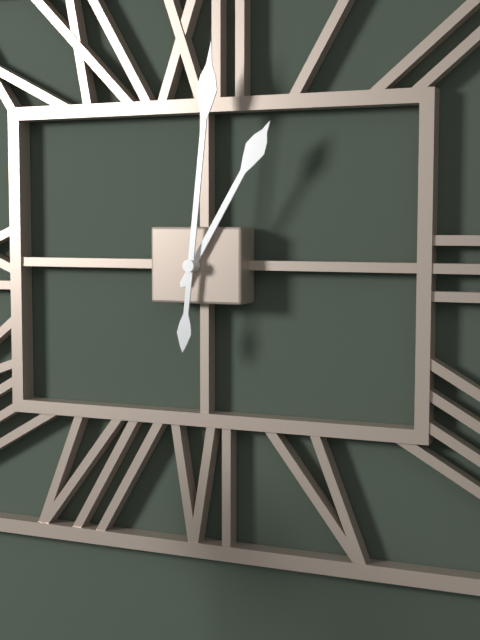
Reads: 1 h 01 min
